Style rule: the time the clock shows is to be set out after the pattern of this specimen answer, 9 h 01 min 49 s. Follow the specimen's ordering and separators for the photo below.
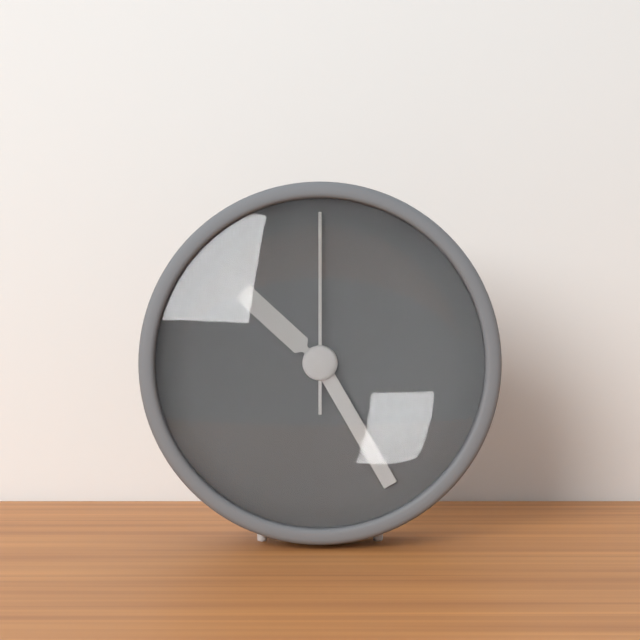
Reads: 10 h 25 min 00 s
